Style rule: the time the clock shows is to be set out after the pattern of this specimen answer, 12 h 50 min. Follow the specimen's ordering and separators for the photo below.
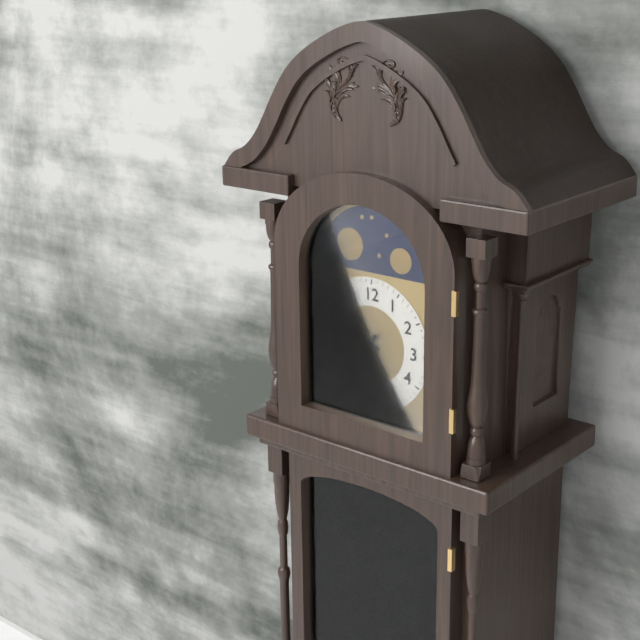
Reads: 9 h 35 min
